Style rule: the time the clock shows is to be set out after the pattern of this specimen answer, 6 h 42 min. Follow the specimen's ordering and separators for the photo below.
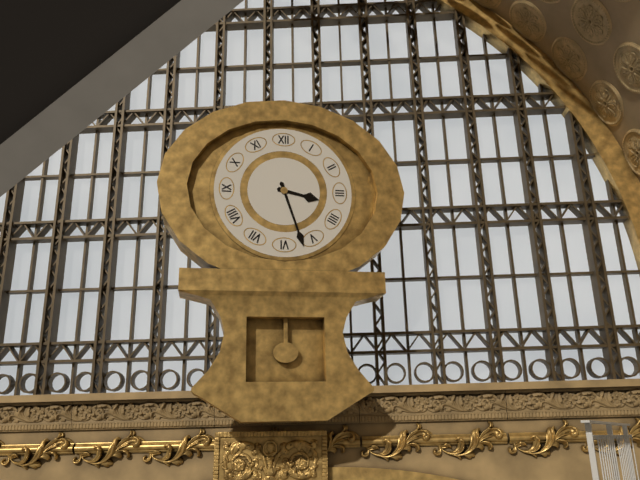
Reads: 3 h 27 min
